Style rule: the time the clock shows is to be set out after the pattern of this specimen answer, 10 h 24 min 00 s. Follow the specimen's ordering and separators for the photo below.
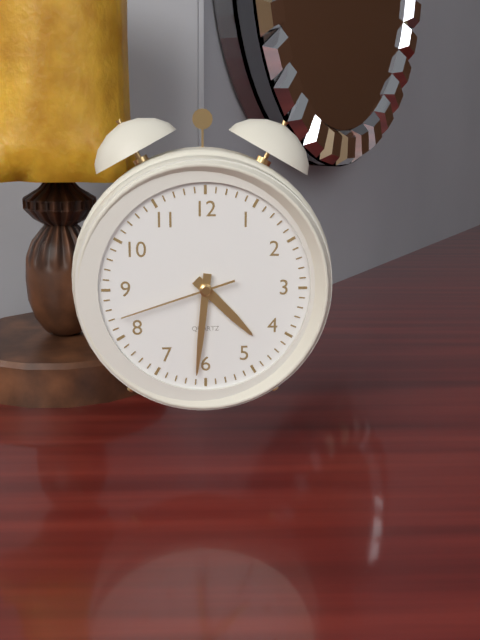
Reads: 4 h 31 min 42 s
